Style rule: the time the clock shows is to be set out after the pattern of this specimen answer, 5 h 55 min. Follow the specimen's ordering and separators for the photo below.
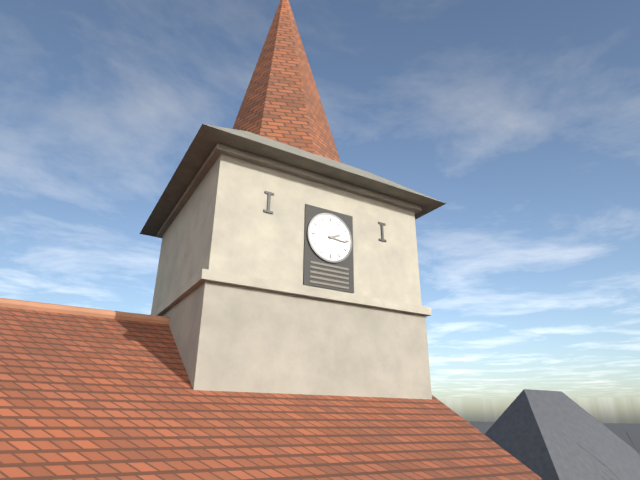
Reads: 2 h 16 min
